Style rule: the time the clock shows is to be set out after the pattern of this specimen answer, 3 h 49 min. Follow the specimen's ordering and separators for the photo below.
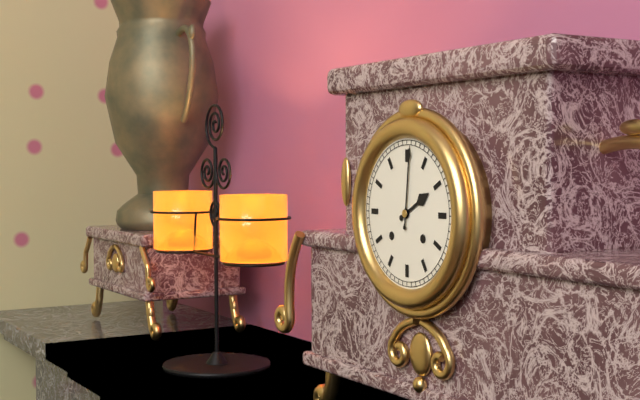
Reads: 2 h 01 min
